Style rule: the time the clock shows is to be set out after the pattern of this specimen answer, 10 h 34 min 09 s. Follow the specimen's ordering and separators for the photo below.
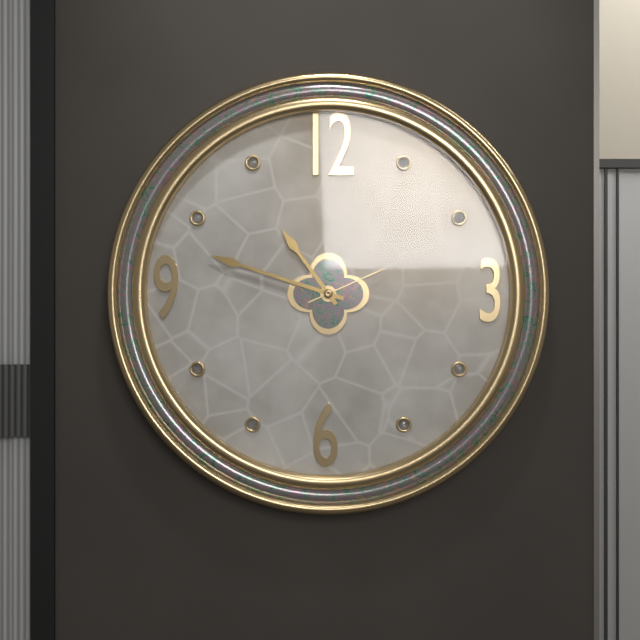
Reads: 10 h 48 min 11 s
